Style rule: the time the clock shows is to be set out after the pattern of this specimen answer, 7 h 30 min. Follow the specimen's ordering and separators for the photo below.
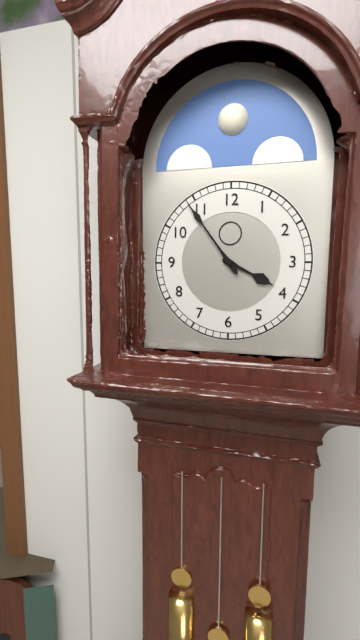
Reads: 3 h 54 min
